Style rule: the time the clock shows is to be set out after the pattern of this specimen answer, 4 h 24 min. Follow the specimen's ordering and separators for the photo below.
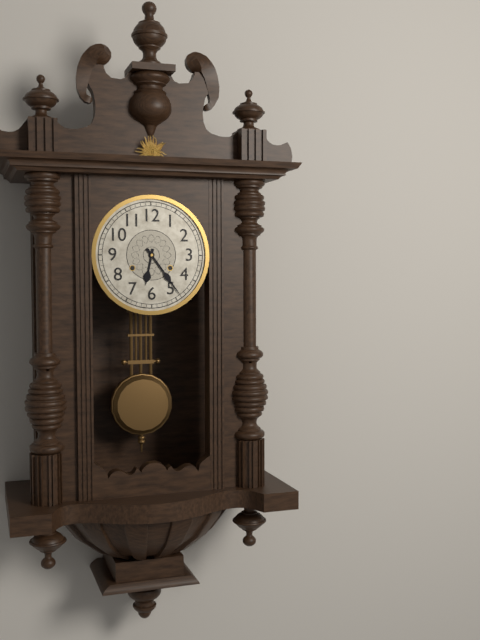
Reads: 6 h 24 min
